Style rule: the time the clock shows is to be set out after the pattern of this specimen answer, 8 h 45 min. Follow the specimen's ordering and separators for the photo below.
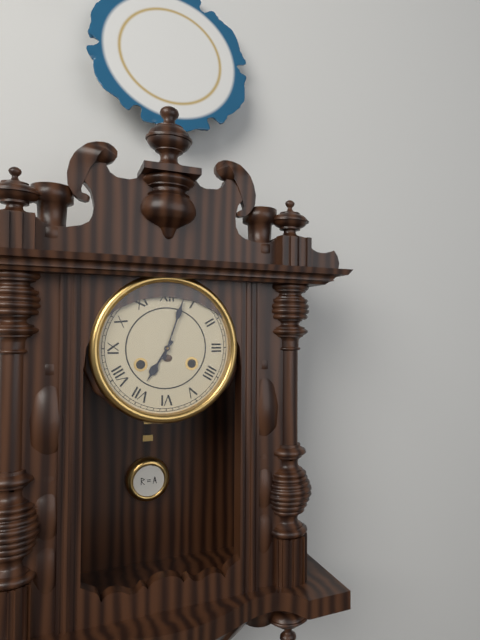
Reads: 7 h 03 min
